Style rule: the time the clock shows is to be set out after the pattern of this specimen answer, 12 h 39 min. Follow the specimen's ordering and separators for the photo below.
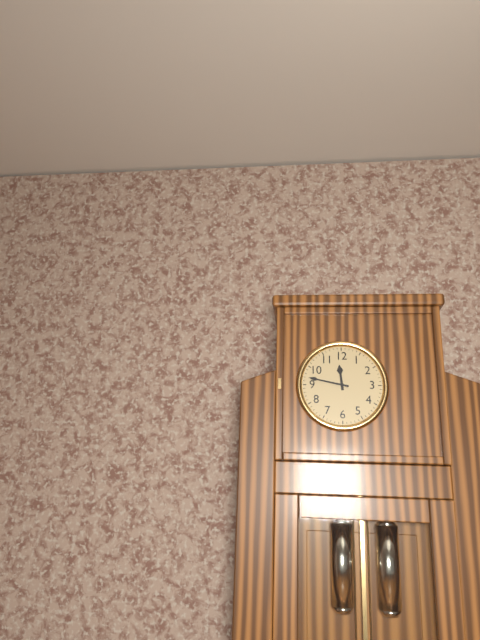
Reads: 11 h 47 min
